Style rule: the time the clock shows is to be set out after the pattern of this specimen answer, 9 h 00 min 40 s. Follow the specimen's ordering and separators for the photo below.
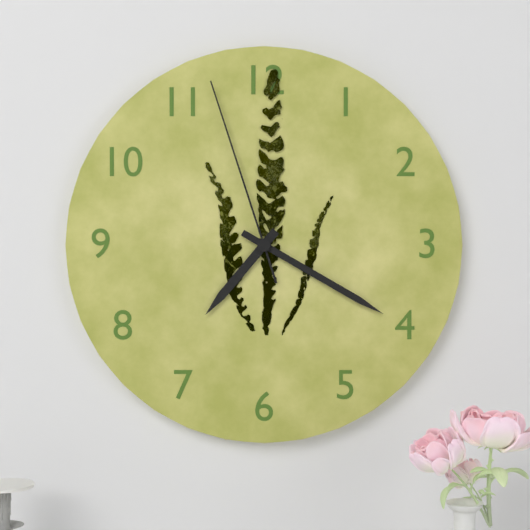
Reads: 7 h 20 min 57 s
